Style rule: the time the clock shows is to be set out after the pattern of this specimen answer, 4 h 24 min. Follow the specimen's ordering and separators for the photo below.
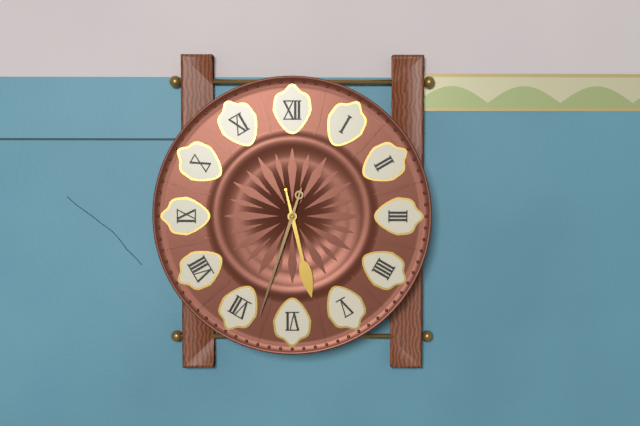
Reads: 5 h 33 min
